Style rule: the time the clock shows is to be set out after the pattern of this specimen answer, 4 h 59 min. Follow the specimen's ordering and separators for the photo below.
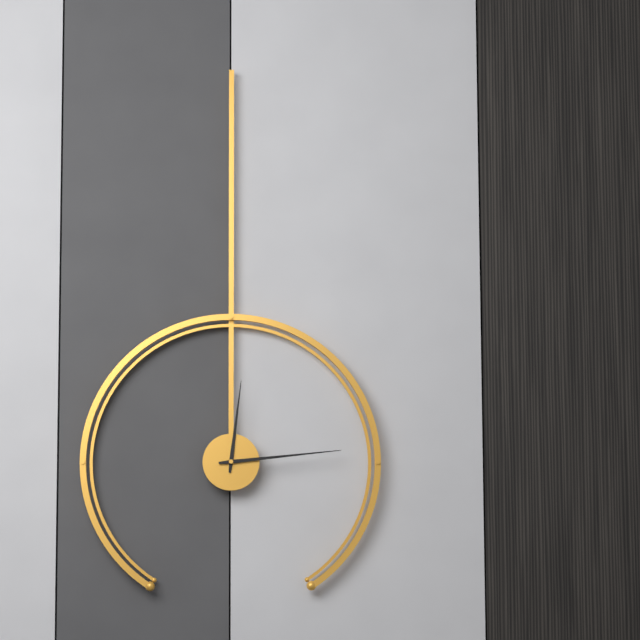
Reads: 12 h 14 min
